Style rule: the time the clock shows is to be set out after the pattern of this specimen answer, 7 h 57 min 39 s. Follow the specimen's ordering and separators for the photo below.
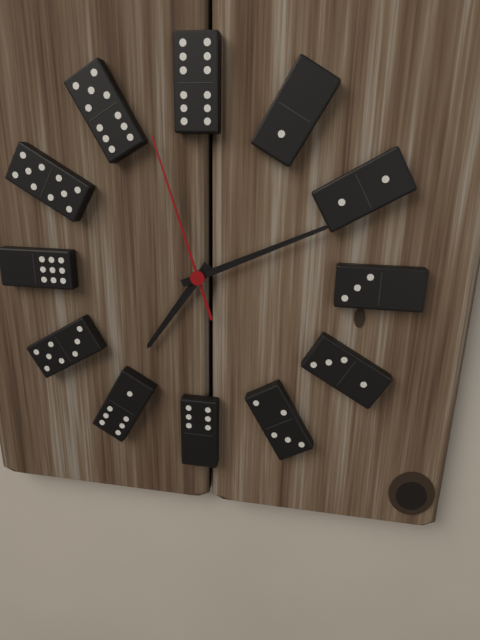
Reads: 7 h 11 min 57 s
